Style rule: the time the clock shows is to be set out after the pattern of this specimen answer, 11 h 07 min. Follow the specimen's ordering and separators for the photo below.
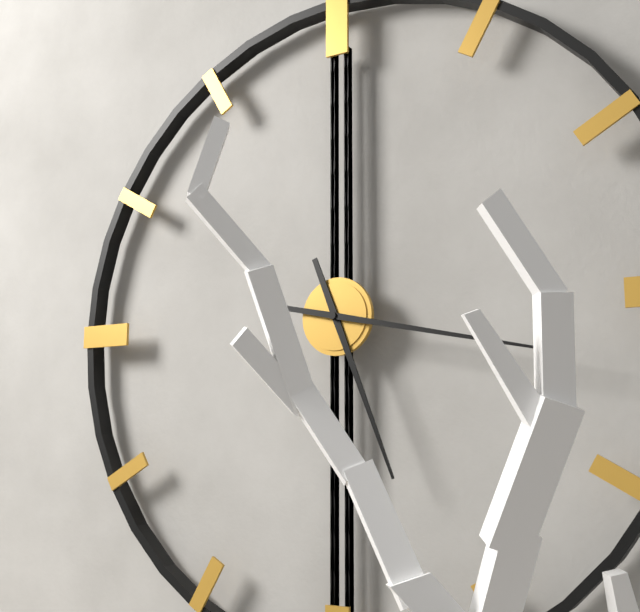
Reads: 5 h 17 min
